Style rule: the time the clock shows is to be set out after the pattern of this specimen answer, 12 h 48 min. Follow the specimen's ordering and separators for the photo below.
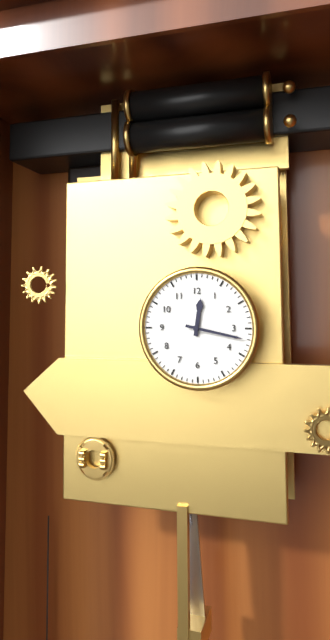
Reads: 12 h 17 min
